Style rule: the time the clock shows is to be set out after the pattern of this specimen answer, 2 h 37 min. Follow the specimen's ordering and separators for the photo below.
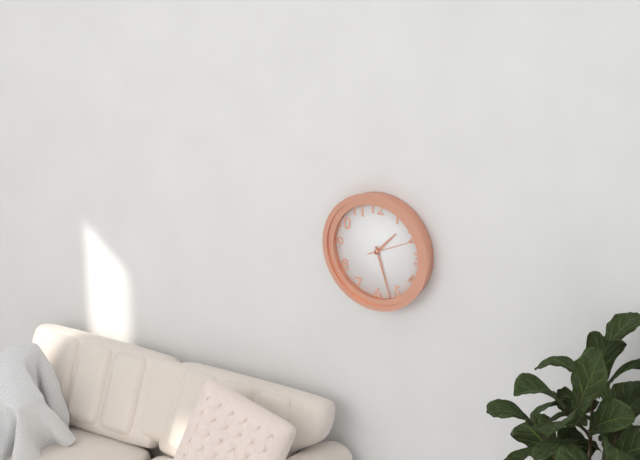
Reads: 1 h 27 min
